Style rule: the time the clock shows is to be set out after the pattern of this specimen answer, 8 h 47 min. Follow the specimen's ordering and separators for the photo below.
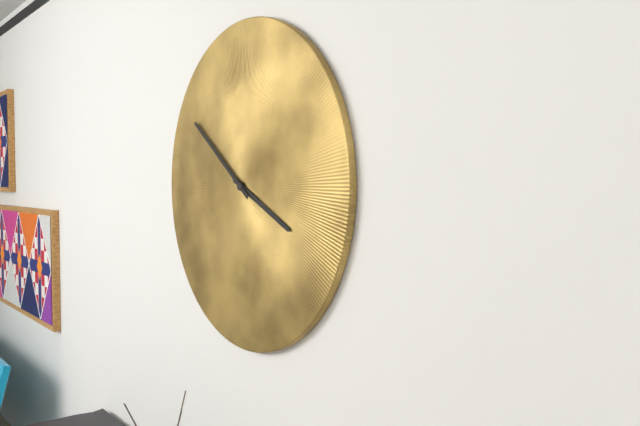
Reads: 3 h 51 min
